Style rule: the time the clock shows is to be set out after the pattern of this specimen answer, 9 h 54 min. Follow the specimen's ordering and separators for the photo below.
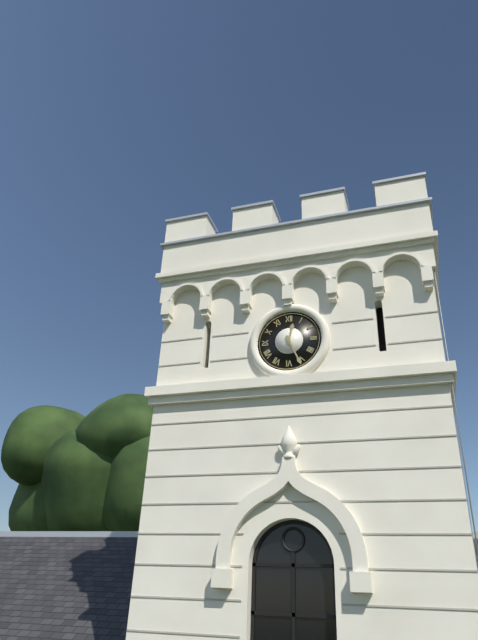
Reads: 12 h 26 min
